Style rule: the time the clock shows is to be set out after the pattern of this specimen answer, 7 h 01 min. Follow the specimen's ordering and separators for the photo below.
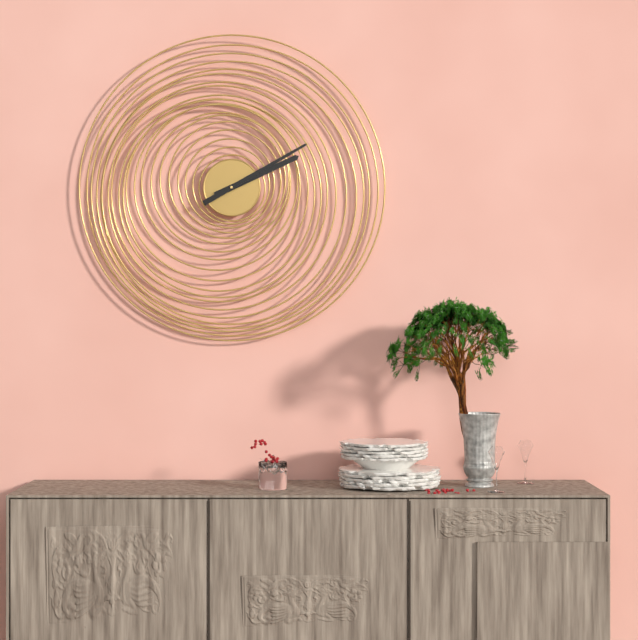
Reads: 2 h 10 min
